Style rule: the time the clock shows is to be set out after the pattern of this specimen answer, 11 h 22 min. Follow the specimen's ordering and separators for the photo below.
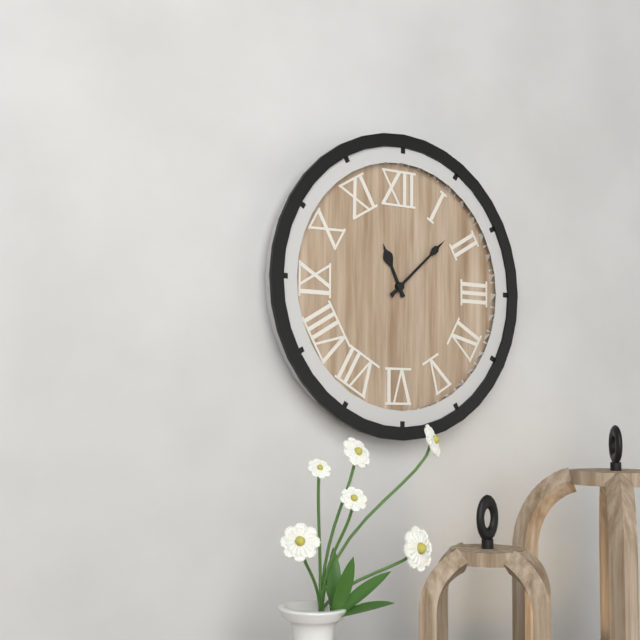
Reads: 11 h 08 min
